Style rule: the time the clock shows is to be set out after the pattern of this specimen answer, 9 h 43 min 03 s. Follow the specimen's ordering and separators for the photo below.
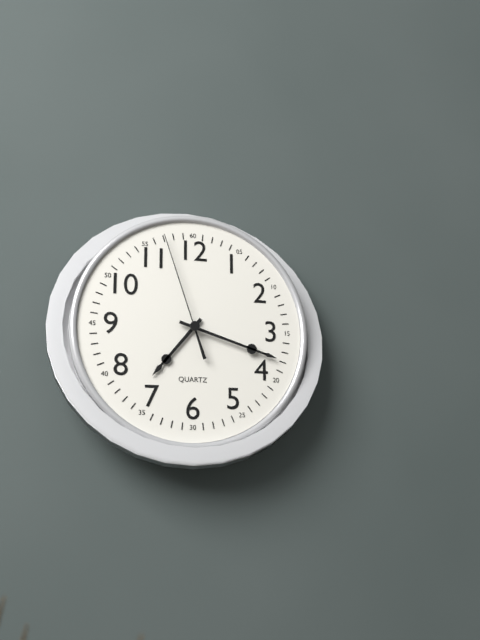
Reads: 7 h 18 min 57 s
